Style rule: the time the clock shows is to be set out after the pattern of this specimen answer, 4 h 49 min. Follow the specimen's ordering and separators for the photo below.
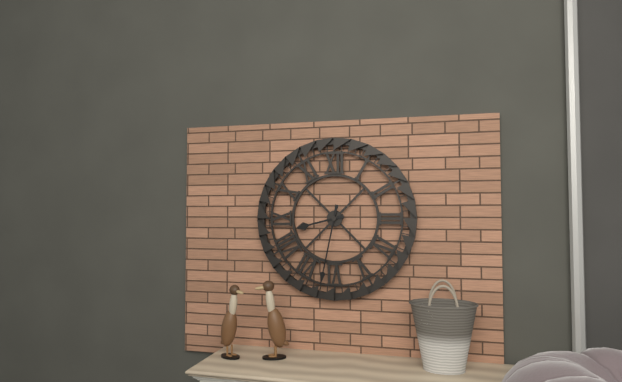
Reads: 8 h 32 min
